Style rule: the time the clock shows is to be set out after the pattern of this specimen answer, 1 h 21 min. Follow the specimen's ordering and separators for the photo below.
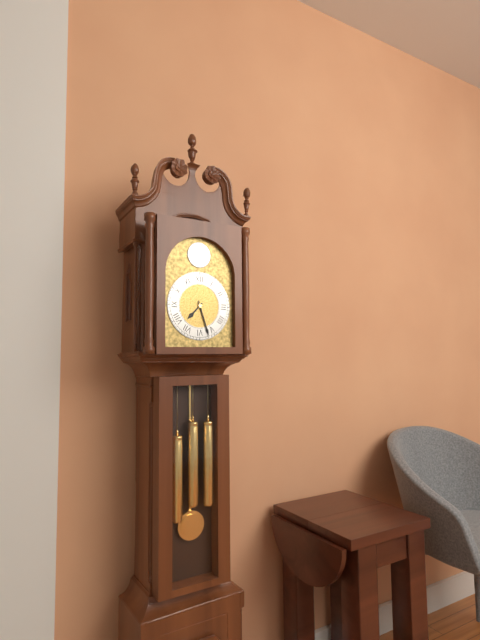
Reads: 7 h 27 min
